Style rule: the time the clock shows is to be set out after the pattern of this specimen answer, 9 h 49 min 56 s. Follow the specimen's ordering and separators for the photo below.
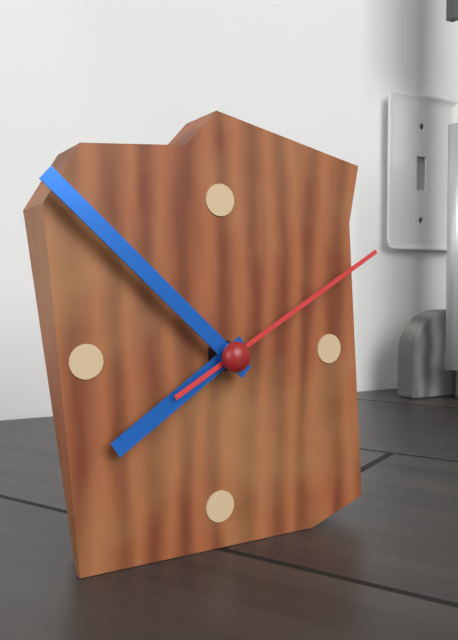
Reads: 7 h 52 min 10 s
